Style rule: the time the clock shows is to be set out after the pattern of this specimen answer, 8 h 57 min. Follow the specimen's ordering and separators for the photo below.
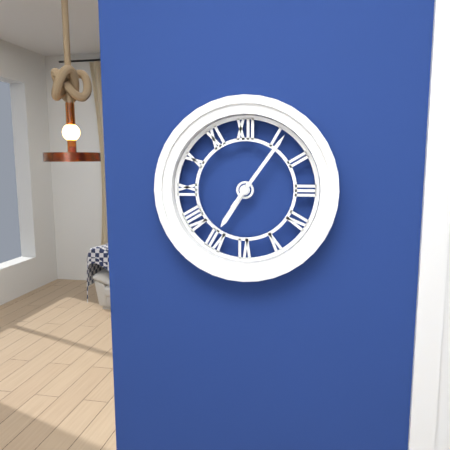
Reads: 7 h 06 min
